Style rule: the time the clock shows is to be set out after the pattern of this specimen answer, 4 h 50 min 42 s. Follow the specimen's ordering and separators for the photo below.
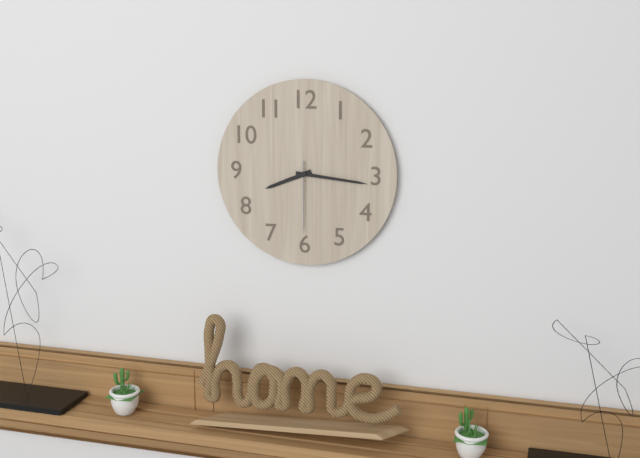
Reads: 8 h 16 min 30 s
